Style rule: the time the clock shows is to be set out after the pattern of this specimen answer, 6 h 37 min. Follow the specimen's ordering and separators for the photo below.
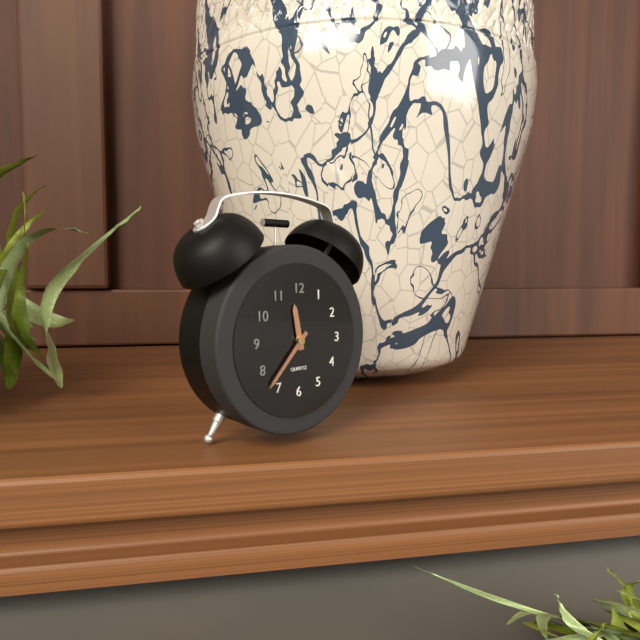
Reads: 11 h 37 min
